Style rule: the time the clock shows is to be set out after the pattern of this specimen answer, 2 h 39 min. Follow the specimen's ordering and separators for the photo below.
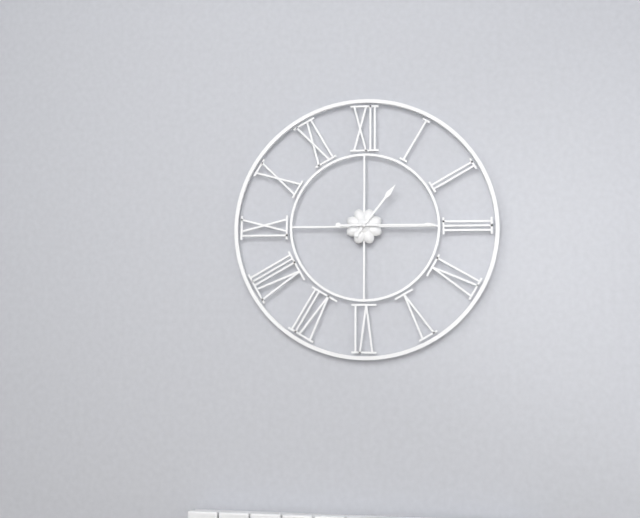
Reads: 1 h 15 min
